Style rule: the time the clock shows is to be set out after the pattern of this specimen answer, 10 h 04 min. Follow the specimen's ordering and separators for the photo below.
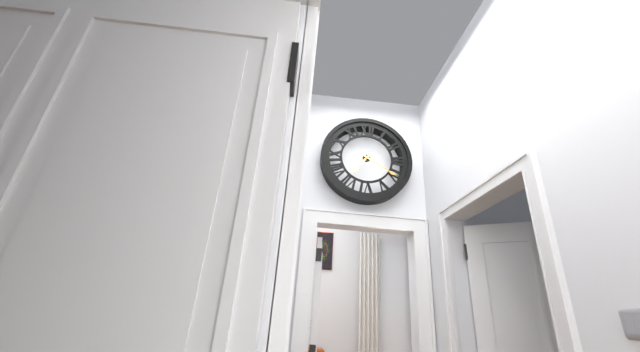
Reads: 7 h 20 min
